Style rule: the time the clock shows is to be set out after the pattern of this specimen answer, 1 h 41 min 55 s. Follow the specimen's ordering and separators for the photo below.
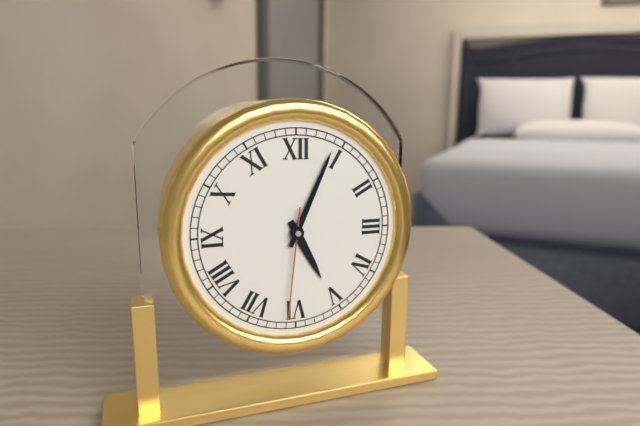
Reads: 5 h 04 min 31 s
